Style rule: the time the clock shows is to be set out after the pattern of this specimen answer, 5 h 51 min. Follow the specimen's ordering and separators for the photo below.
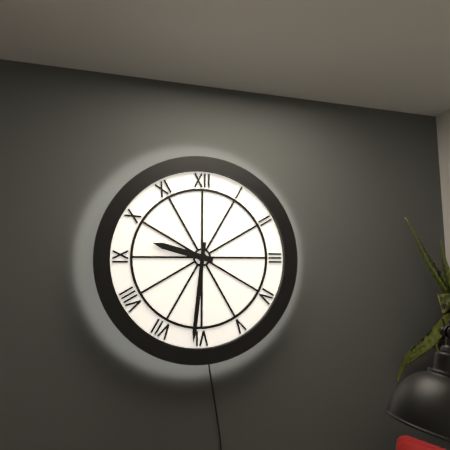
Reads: 9 h 31 min
